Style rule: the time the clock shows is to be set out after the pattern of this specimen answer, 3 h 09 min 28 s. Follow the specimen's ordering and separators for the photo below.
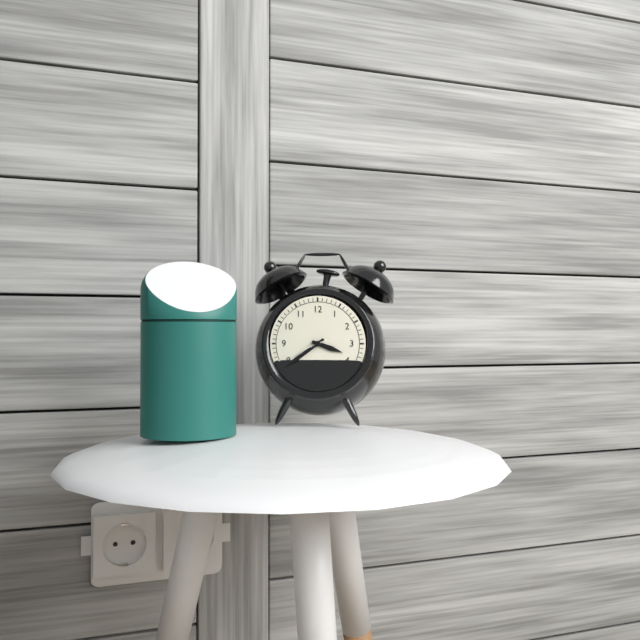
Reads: 3 h 39 min 41 s
